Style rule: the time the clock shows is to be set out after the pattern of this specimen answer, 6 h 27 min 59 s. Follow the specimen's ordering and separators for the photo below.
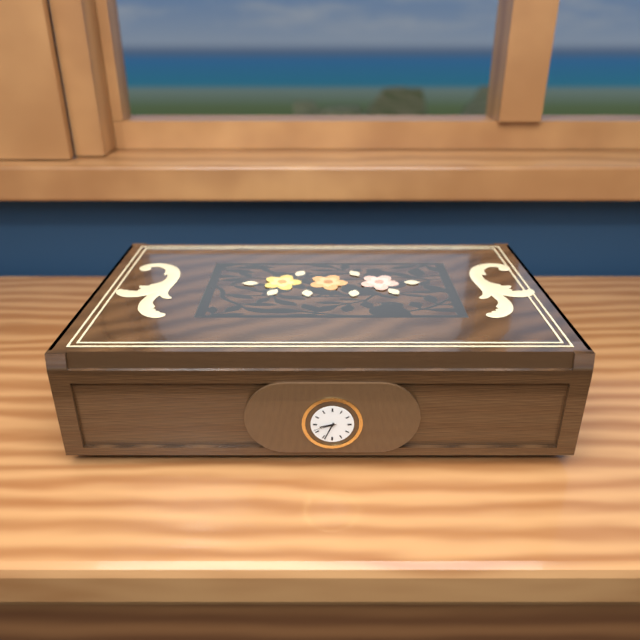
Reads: 8 h 34 min 42 s
